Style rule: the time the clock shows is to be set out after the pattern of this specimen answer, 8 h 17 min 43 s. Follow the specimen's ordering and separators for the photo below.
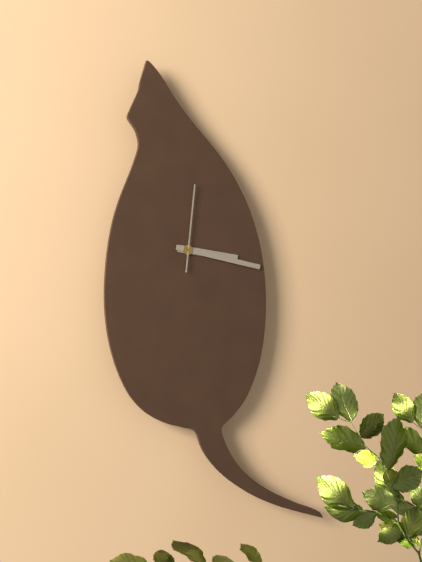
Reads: 3 h 17 min 01 s
